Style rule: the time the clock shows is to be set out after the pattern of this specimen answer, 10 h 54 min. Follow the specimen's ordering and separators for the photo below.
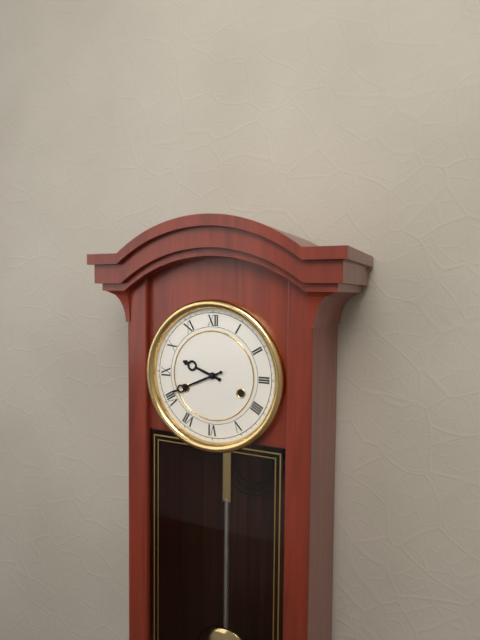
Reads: 9 h 41 min
